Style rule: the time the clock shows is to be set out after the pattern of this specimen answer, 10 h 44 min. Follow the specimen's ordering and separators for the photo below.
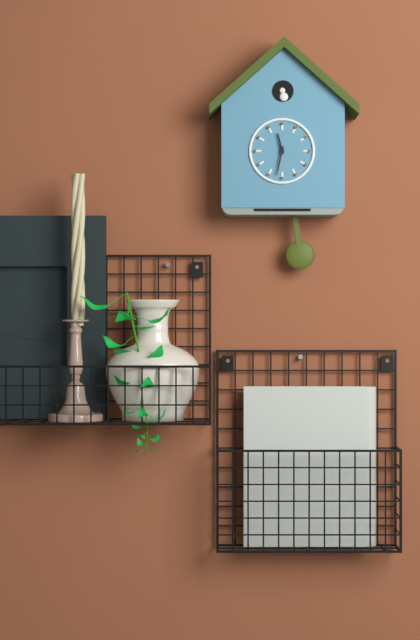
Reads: 11 h 32 min
